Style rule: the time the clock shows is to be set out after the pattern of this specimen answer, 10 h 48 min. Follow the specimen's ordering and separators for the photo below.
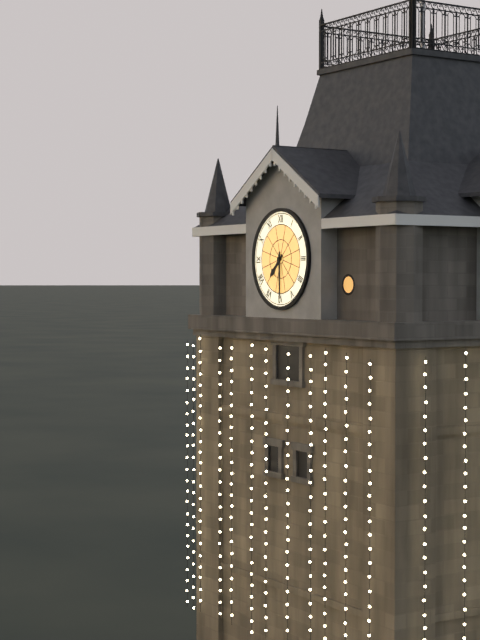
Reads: 7 h 30 min
